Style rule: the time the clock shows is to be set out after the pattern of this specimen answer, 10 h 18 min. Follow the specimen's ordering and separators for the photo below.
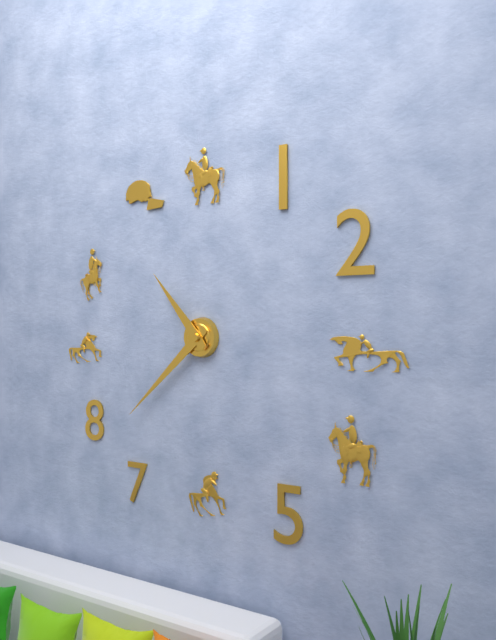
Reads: 10 h 38 min
